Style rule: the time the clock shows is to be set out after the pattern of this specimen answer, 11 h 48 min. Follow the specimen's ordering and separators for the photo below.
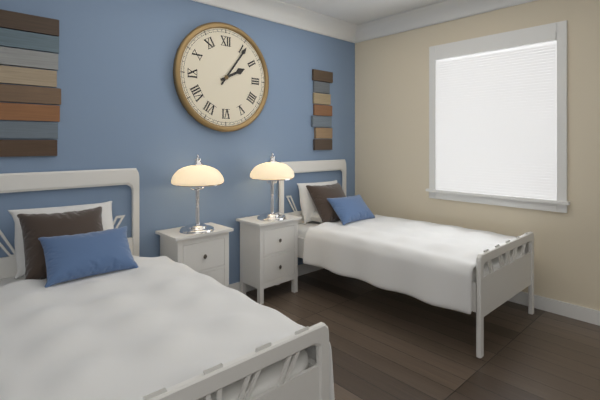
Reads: 2 h 06 min
